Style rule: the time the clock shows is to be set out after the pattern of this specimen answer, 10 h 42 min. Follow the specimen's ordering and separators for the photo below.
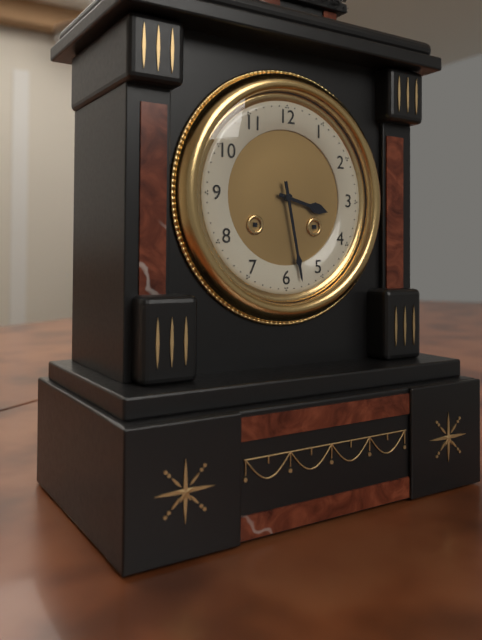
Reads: 3 h 28 min
